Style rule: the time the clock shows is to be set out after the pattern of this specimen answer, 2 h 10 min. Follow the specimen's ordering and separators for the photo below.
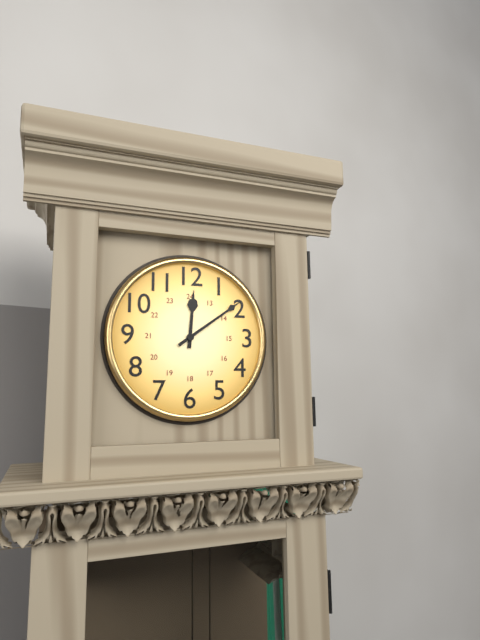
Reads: 12 h 09 min
